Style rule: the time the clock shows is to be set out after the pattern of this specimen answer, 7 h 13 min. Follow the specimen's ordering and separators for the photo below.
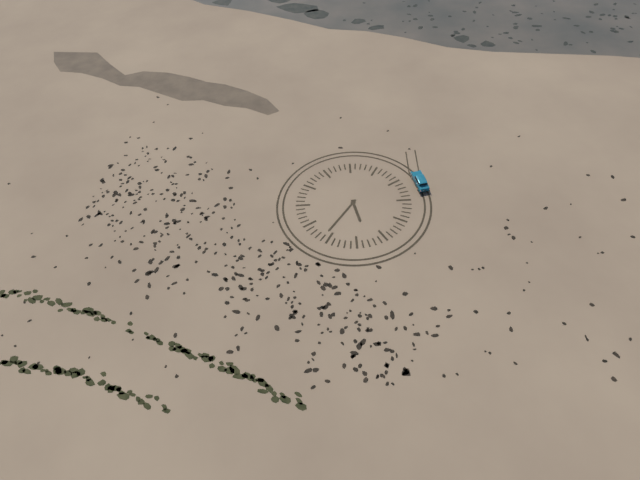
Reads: 5 h 36 min
